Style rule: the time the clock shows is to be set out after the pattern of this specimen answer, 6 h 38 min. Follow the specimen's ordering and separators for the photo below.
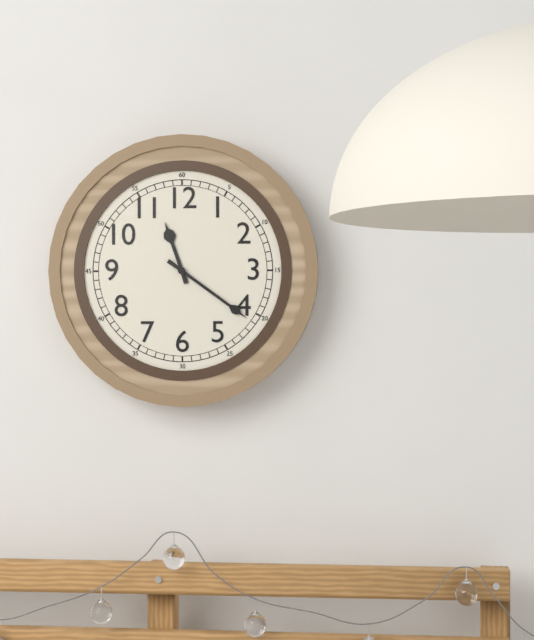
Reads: 11 h 21 min
